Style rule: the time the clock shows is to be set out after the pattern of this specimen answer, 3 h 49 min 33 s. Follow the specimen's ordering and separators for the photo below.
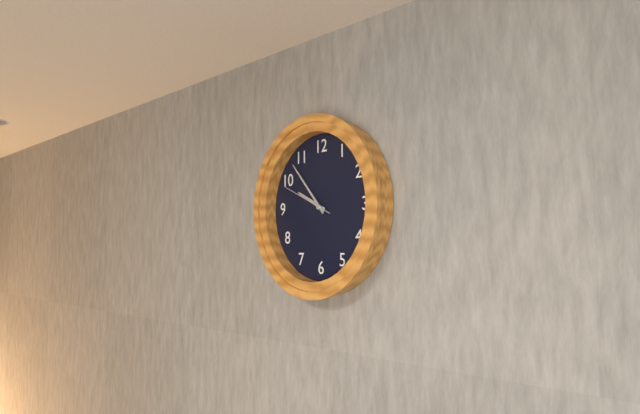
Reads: 9 h 53 min 49 s
